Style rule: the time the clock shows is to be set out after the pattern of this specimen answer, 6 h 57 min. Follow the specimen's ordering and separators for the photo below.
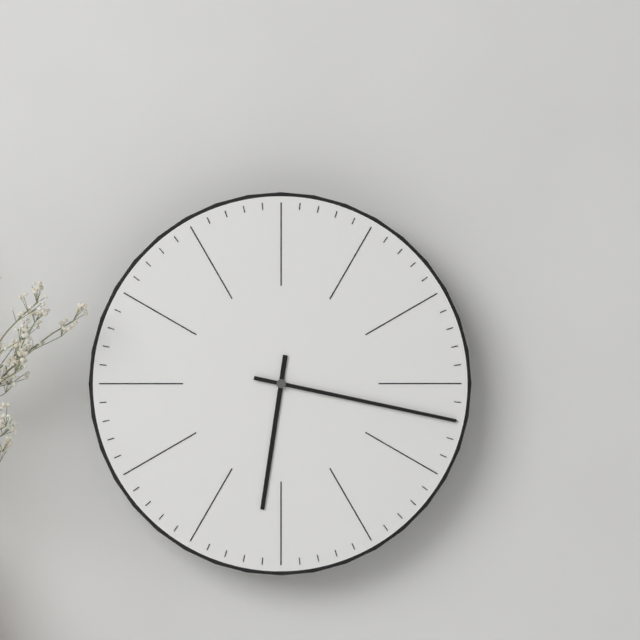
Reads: 6 h 17 min
